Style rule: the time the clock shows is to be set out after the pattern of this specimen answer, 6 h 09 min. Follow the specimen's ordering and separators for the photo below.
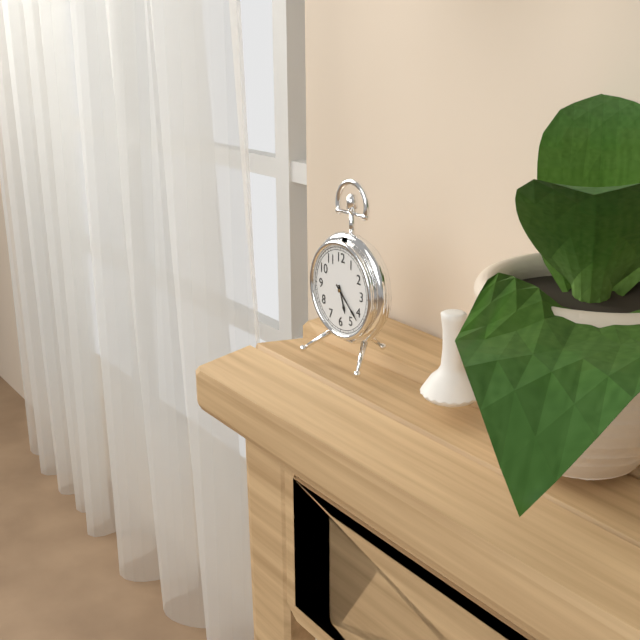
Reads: 5 h 22 min
